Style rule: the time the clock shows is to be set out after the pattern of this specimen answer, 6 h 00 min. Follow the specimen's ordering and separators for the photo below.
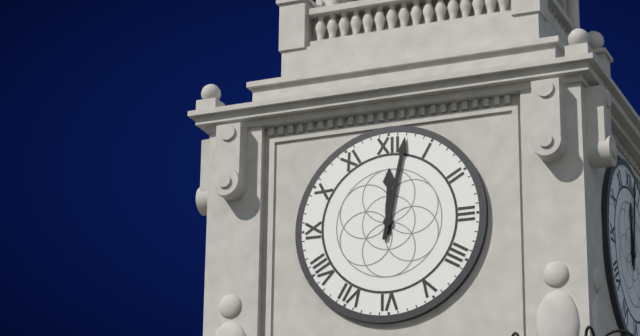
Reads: 12 h 02 min
